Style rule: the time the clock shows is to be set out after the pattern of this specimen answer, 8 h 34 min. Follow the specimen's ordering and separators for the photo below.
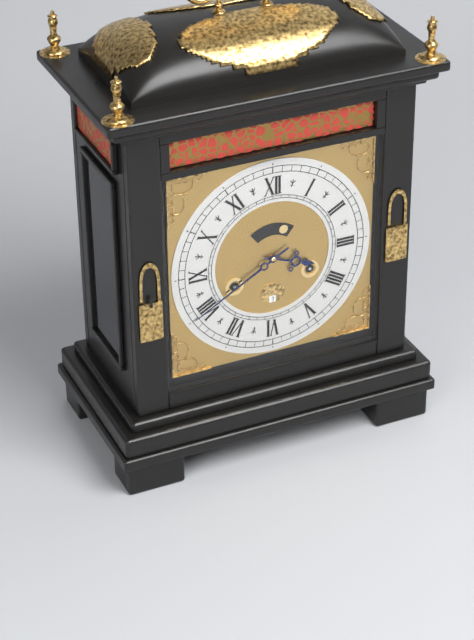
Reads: 3 h 40 min
